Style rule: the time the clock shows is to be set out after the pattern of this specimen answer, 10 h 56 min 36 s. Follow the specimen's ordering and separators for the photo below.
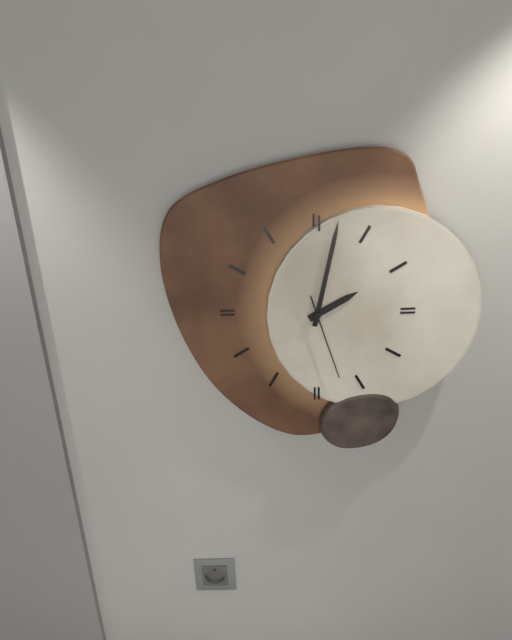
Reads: 2 h 02 min 27 s
